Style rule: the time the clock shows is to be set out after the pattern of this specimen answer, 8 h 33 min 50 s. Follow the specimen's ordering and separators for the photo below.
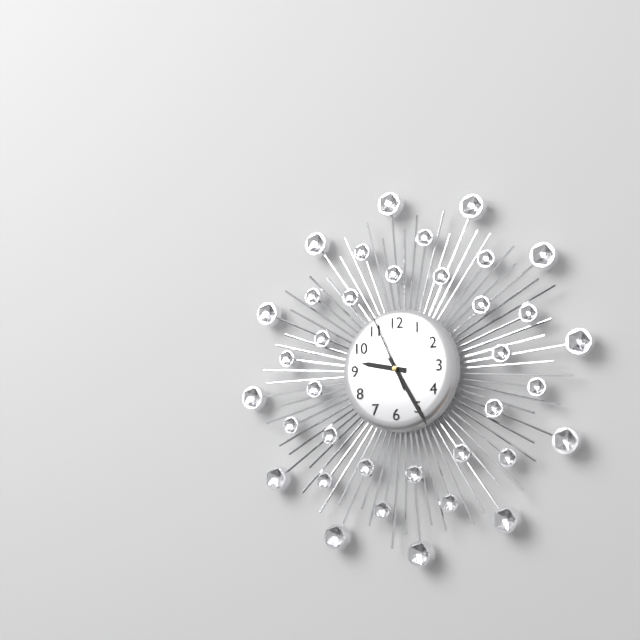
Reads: 9 h 25 min 56 s
